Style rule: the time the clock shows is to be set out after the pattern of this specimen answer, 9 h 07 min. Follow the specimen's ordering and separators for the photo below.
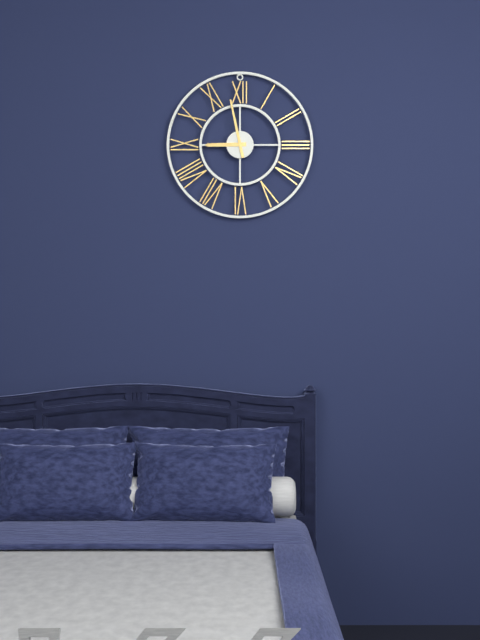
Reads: 8 h 58 min
